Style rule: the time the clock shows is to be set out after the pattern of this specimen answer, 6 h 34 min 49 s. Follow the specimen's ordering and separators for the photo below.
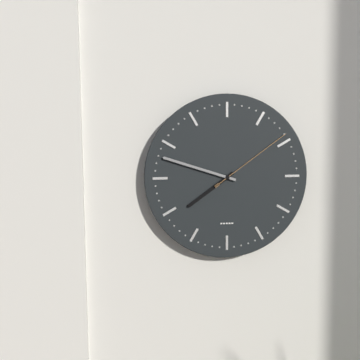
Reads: 7 h 48 min 09 s
